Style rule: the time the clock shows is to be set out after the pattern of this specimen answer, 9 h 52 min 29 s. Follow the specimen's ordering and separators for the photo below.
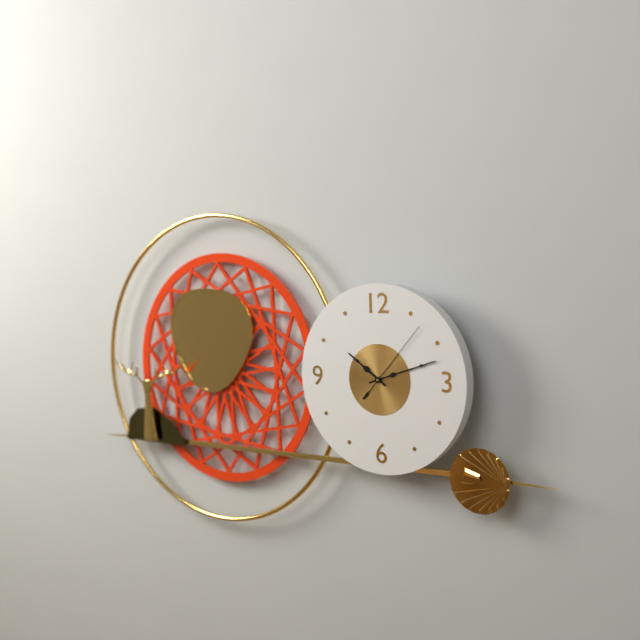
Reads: 10 h 12 min 07 s
